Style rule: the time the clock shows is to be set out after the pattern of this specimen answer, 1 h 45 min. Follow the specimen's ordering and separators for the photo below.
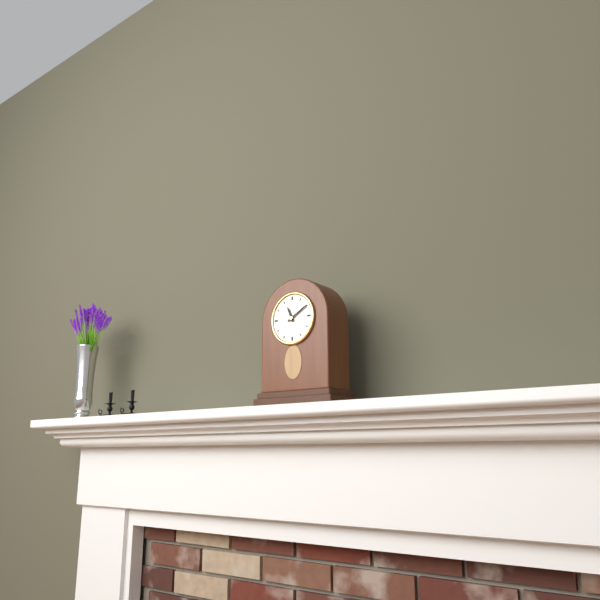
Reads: 11 h 10 min
